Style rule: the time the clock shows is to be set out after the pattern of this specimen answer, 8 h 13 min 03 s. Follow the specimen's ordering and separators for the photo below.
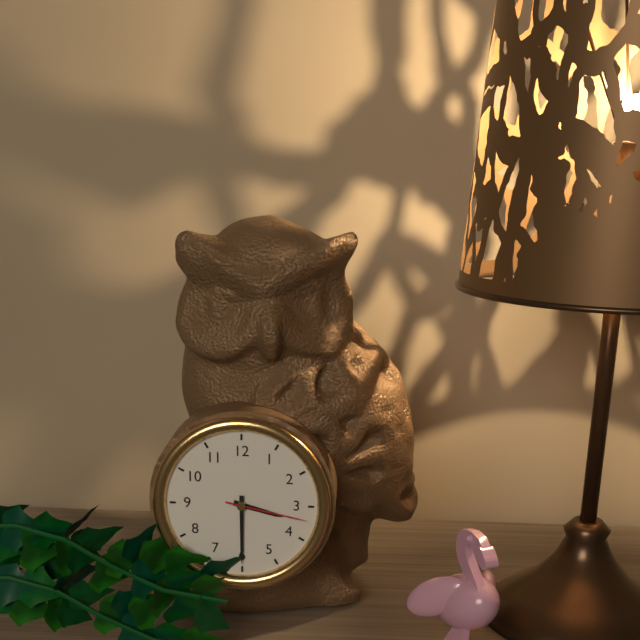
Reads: 3 h 30 min 17 s
